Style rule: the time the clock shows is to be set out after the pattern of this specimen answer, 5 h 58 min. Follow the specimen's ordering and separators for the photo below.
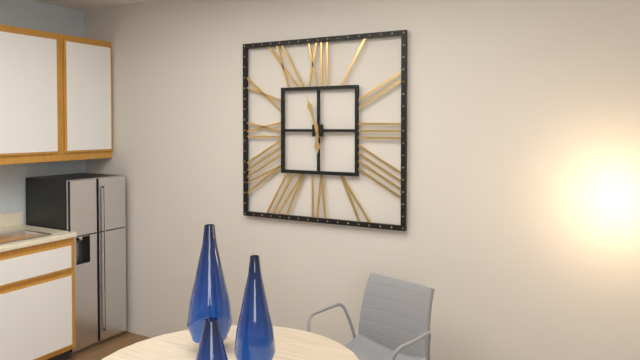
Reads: 5 h 57 min
